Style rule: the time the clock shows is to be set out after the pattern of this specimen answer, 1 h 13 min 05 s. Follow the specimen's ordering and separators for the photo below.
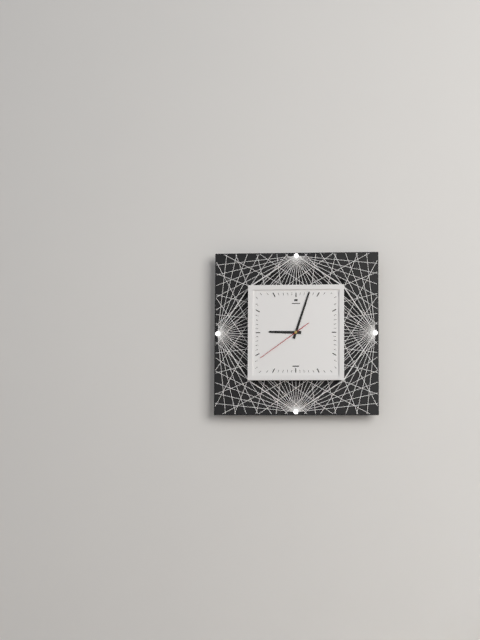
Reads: 9 h 03 min 39 s
